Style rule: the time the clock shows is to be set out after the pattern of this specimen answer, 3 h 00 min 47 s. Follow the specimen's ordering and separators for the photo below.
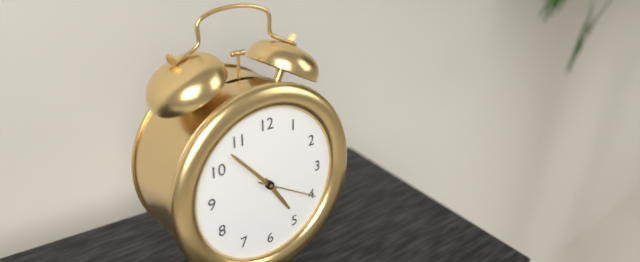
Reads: 4 h 53 min 20 s
